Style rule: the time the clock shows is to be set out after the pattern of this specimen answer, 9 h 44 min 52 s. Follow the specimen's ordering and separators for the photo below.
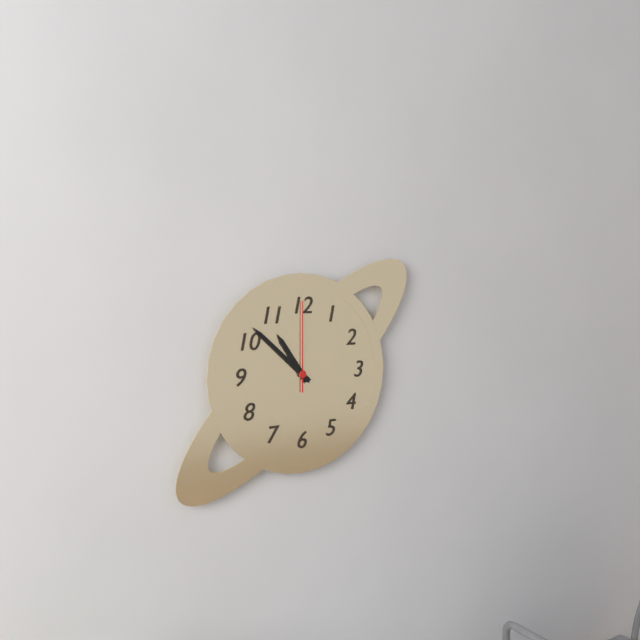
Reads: 10 h 52 min 00 s
